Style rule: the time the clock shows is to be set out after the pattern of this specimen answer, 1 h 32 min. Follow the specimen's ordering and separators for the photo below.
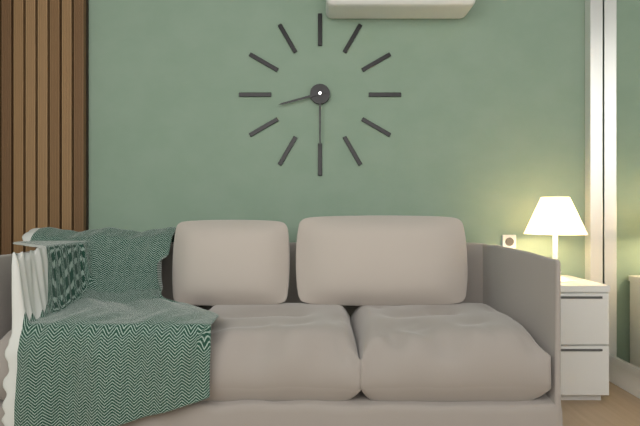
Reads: 8 h 30 min
